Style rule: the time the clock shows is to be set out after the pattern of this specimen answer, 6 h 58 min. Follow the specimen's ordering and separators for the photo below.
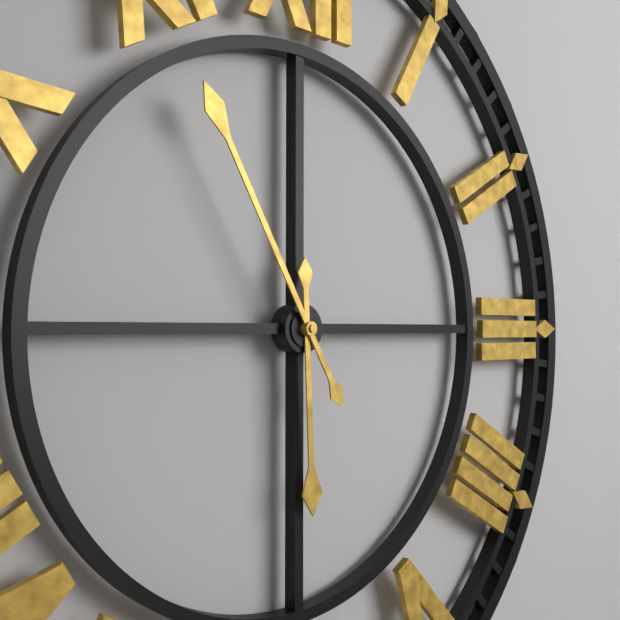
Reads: 5 h 55 min
